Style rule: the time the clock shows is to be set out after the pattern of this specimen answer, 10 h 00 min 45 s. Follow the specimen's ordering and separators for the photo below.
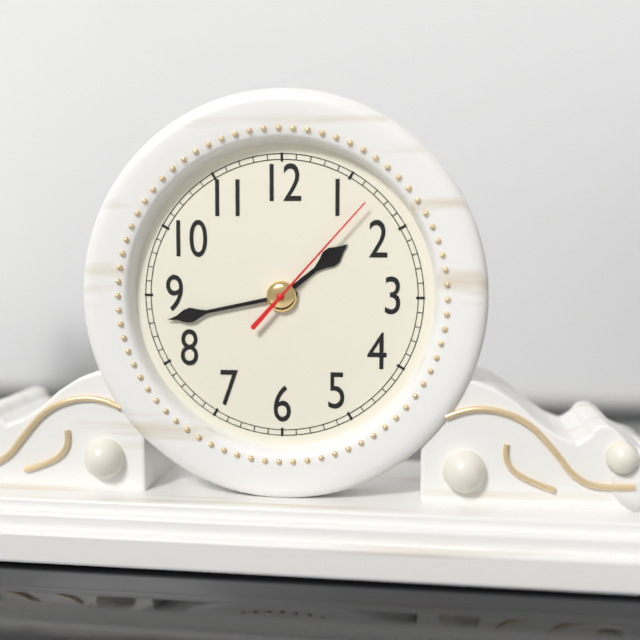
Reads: 1 h 43 min 07 s
